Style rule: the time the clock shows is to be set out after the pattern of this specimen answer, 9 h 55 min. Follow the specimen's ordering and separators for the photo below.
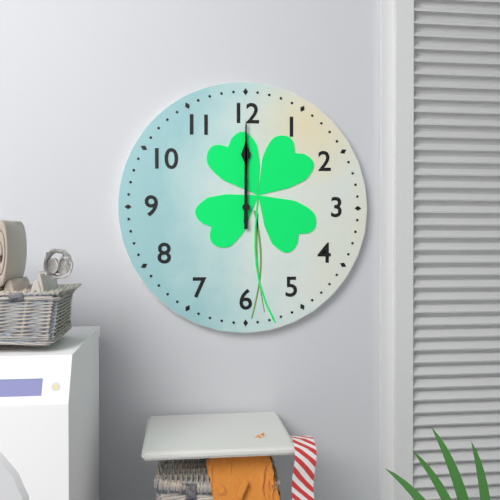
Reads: 12 h 00 min
